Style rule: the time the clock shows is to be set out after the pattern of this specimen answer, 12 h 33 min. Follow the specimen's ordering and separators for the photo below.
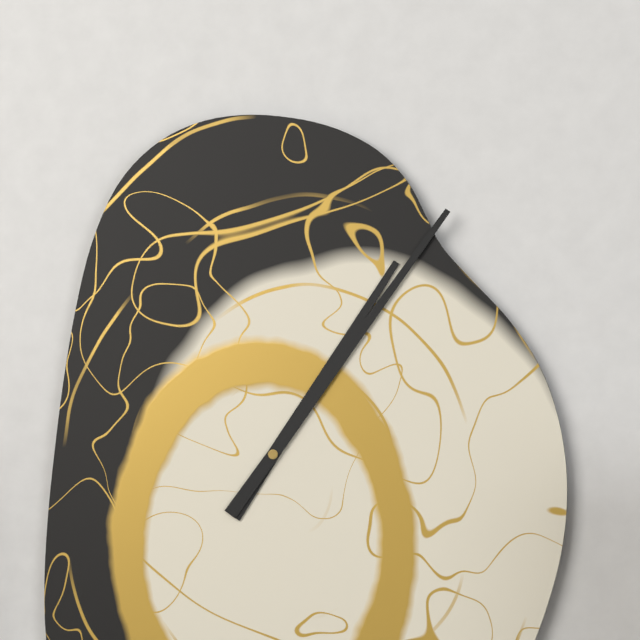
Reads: 1 h 06 min
